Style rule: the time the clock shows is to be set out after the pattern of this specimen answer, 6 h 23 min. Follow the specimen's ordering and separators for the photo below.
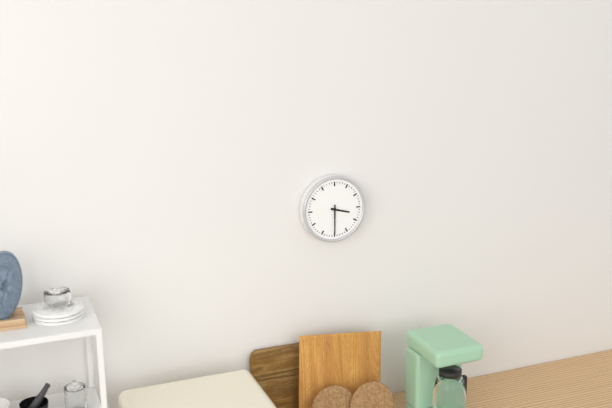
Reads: 3 h 30 min
